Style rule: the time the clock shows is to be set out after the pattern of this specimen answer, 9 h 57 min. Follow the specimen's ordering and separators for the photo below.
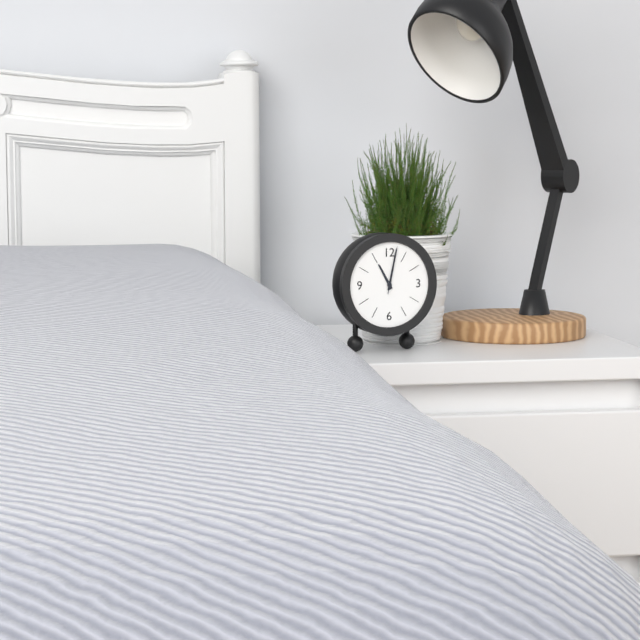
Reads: 11 h 02 min
